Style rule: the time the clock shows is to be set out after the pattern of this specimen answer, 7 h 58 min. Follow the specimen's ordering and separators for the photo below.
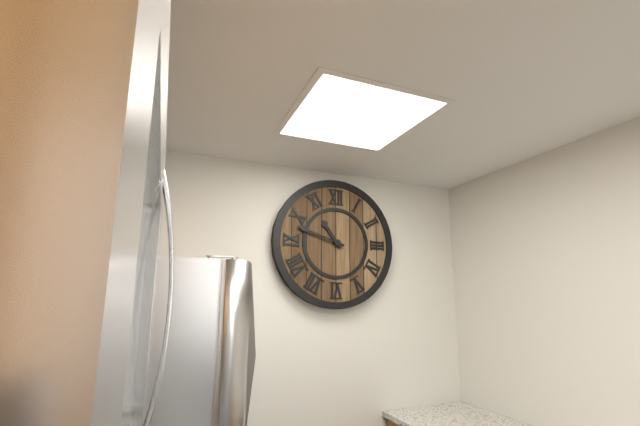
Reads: 10 h 48 min
